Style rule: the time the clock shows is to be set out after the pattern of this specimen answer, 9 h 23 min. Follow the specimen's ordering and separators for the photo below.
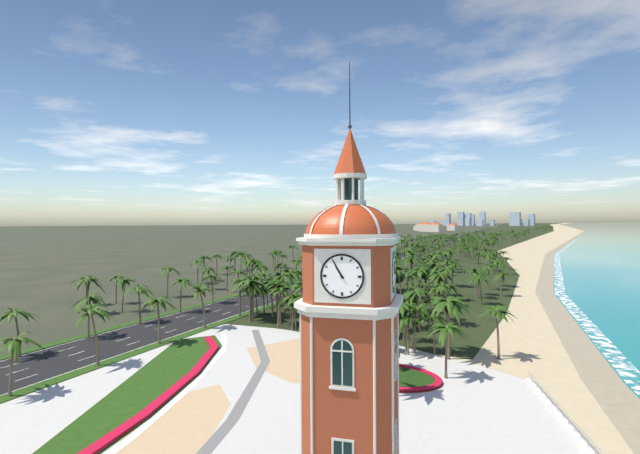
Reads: 10 h 55 min
